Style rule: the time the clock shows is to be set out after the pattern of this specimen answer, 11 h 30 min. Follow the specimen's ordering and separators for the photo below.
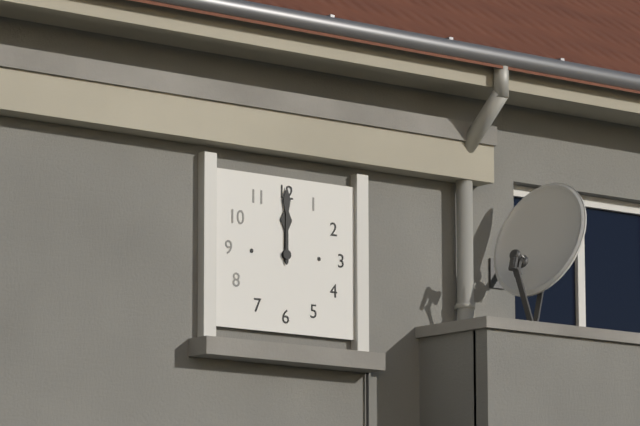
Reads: 12 h 00 min
